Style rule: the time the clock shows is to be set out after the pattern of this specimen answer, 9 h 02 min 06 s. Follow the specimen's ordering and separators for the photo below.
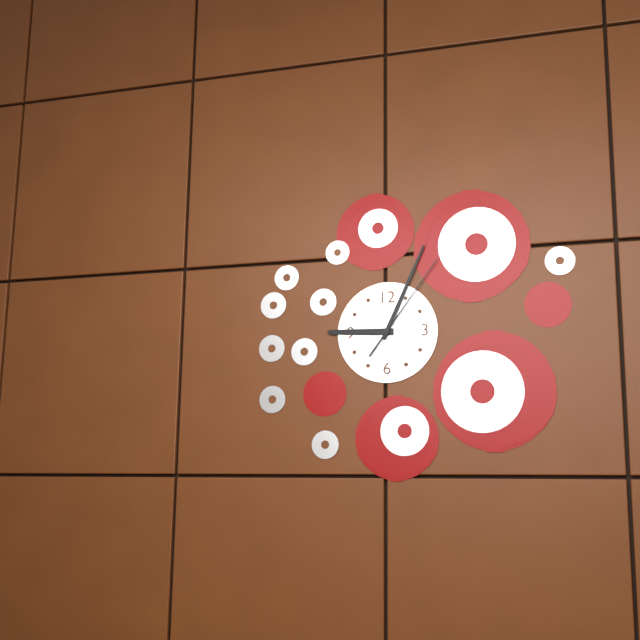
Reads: 9 h 04 min 06 s
